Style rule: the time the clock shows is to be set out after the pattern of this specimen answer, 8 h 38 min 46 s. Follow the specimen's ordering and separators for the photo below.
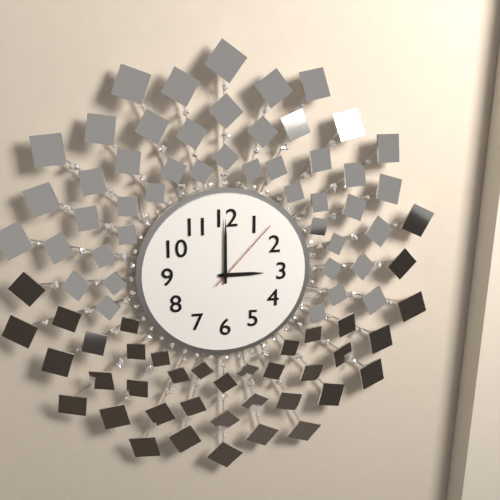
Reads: 3 h 00 min 07 s
